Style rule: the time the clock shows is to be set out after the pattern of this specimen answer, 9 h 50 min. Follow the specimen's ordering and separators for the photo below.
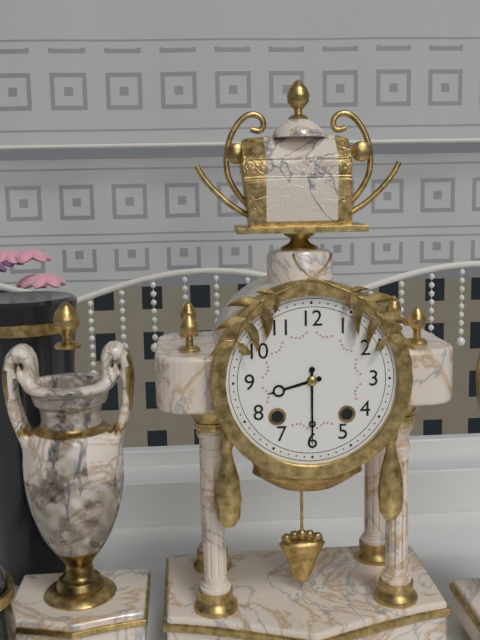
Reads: 8 h 30 min
